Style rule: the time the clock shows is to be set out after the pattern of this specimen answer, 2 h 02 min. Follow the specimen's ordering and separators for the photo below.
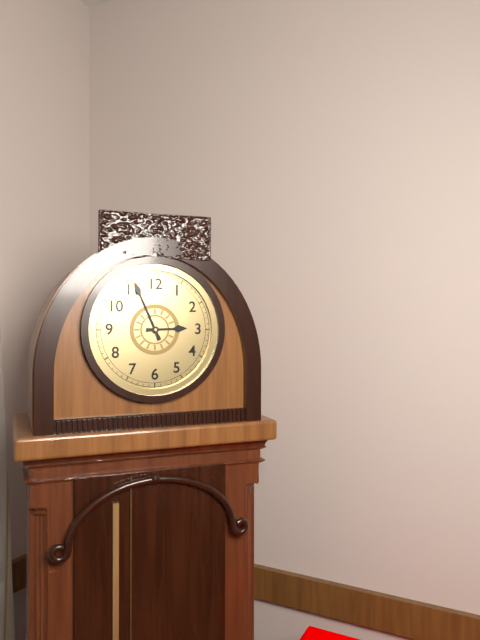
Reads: 2 h 56 min
